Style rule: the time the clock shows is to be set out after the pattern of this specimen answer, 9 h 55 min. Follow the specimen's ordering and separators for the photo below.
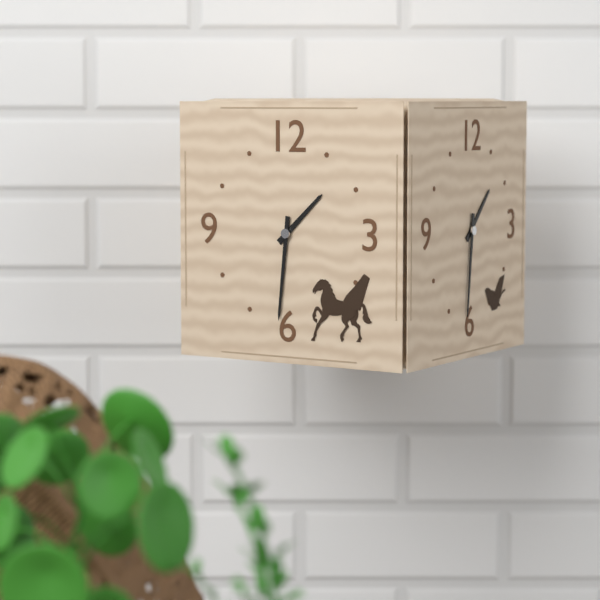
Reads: 1 h 31 min
